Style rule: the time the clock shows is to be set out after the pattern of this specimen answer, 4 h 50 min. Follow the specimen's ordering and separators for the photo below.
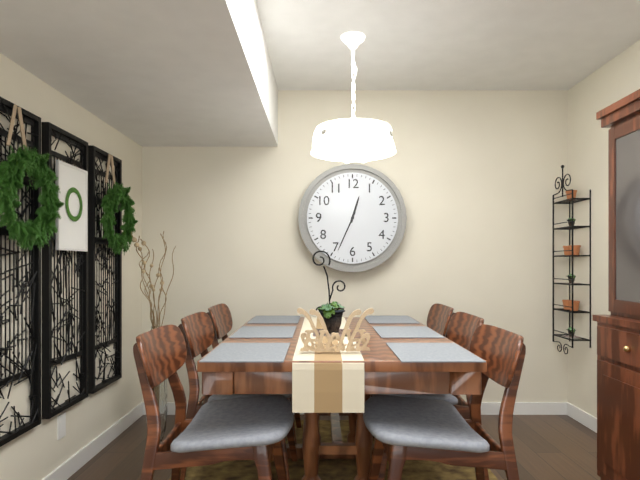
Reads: 12 h 34 min
